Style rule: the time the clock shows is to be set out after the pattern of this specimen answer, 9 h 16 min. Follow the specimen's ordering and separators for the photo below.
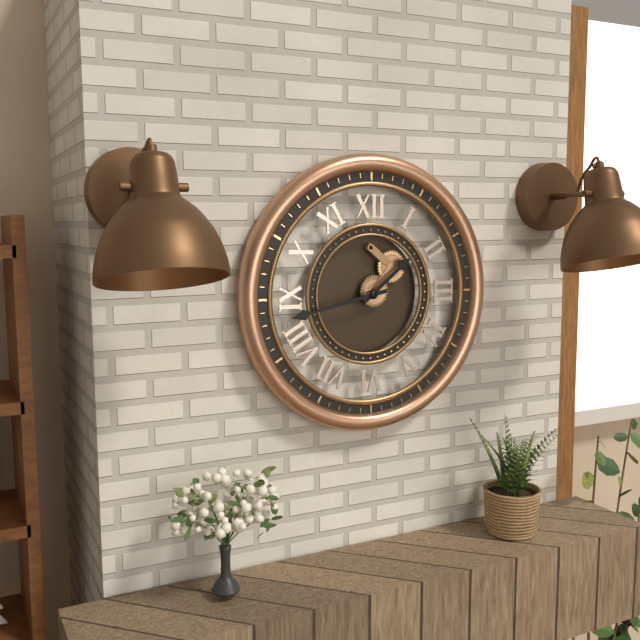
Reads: 1 h 43 min
